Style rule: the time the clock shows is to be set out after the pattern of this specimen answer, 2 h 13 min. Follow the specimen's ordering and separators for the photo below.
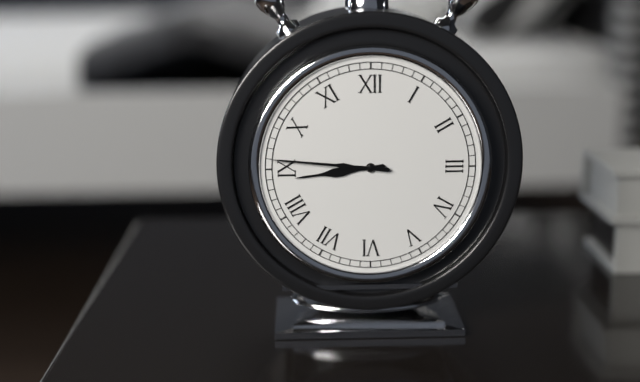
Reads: 8 h 46 min
